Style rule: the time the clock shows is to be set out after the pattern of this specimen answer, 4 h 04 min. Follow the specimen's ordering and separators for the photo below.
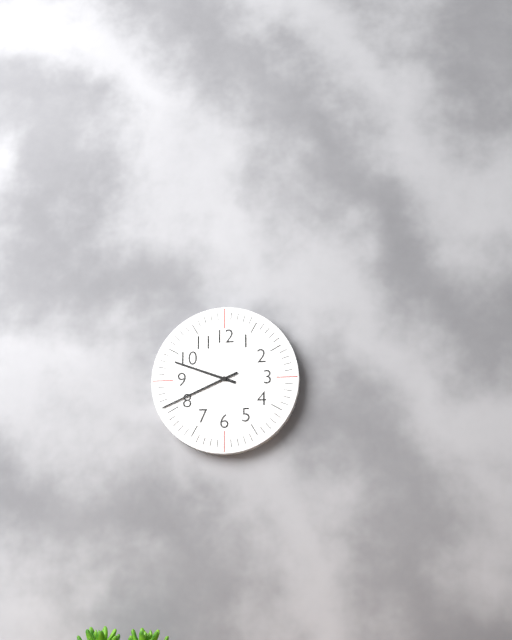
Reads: 9 h 41 min
